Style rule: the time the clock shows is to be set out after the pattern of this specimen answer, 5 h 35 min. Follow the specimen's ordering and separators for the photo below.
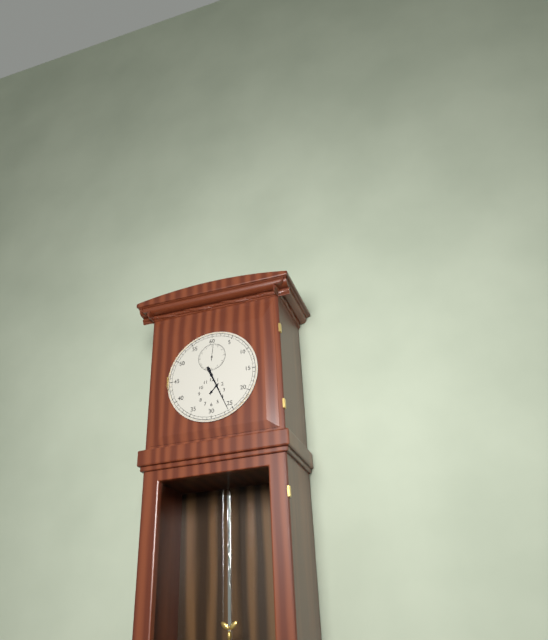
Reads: 1 h 26 min
